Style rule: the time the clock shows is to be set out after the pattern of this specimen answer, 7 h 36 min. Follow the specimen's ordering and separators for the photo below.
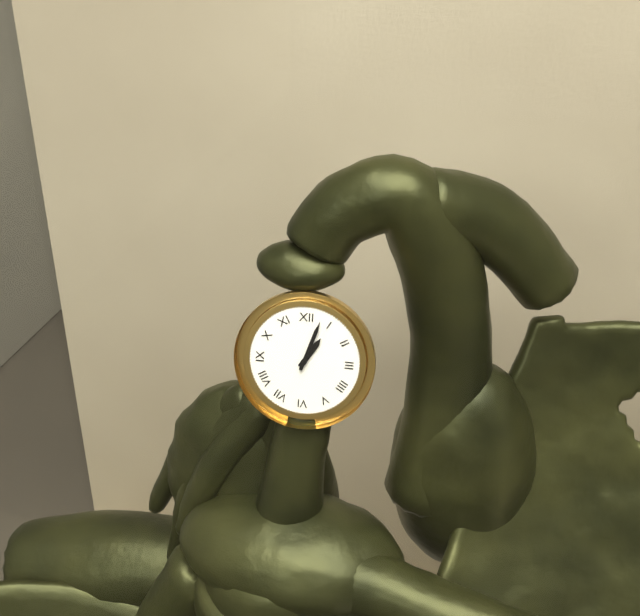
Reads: 1 h 03 min
